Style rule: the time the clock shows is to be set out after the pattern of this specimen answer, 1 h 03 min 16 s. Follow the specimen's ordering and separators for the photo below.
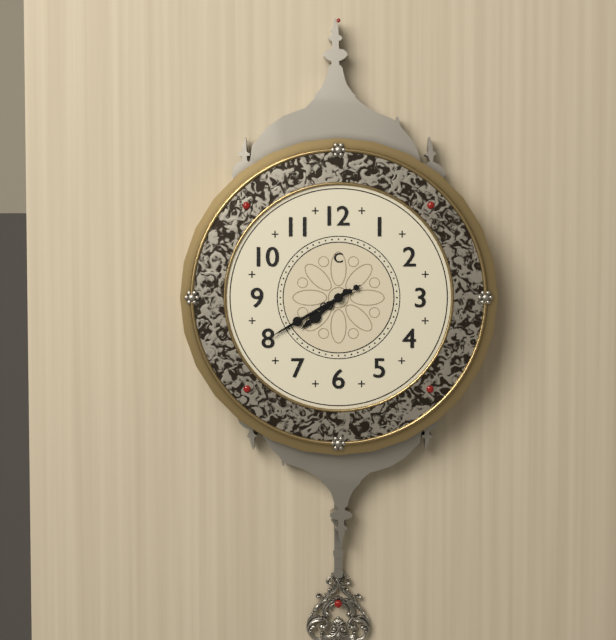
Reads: 7 h 40 min 40 s
